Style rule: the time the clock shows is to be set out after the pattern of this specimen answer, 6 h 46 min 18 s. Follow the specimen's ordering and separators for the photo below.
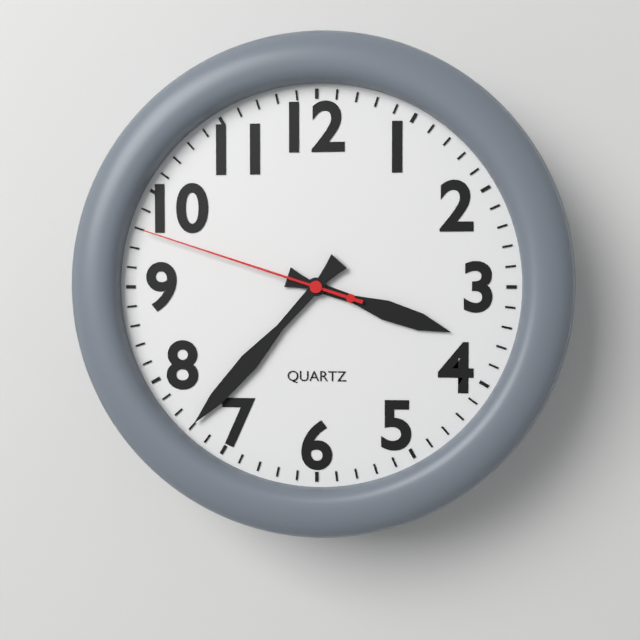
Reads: 3 h 37 min 48 s
